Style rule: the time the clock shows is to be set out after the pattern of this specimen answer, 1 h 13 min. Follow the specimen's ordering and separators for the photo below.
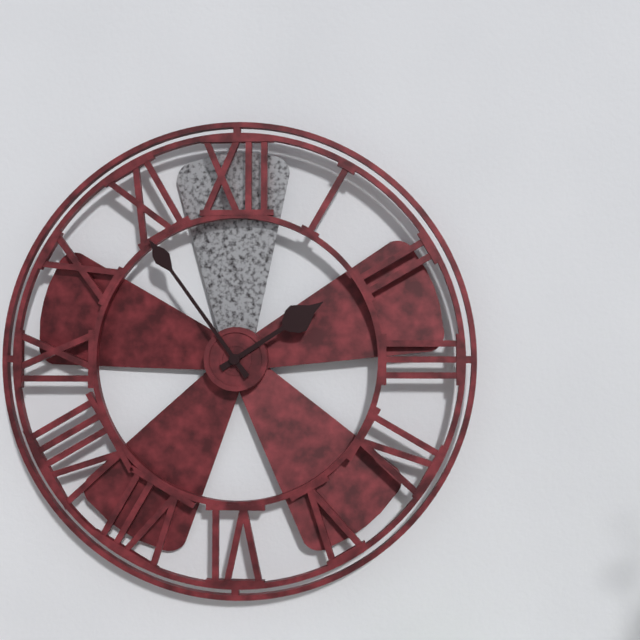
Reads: 1 h 54 min
